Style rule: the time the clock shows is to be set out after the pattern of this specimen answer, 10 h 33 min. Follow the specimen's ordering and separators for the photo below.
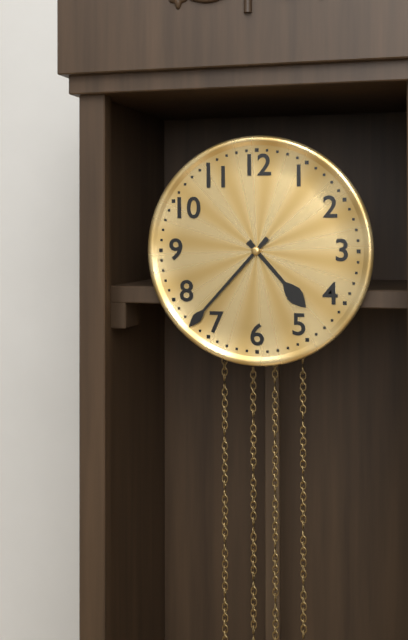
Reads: 4 h 37 min
